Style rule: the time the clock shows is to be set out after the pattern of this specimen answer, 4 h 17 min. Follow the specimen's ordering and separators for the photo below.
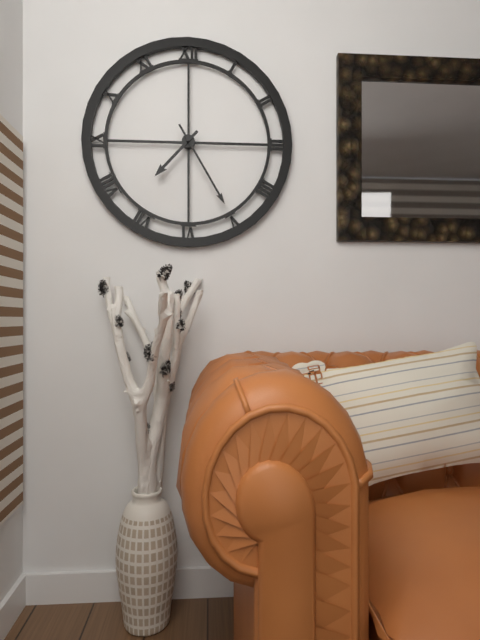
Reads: 7 h 25 min
